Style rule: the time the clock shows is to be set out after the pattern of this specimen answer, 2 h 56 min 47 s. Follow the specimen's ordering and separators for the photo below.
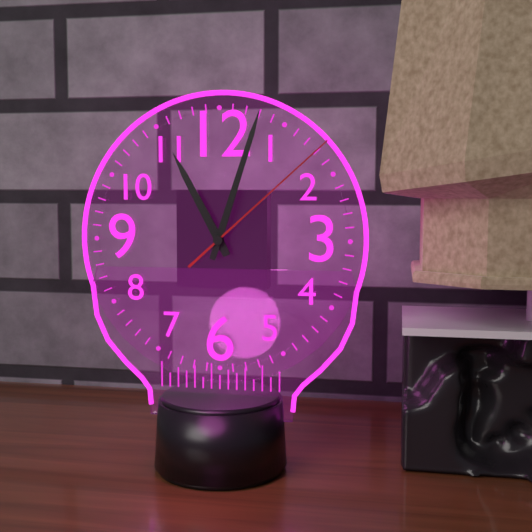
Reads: 11 h 03 min 08 s
